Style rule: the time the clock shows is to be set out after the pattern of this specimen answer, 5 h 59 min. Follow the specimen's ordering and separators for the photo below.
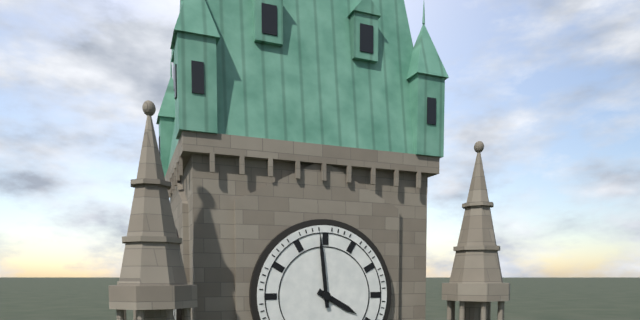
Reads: 3 h 59 min
